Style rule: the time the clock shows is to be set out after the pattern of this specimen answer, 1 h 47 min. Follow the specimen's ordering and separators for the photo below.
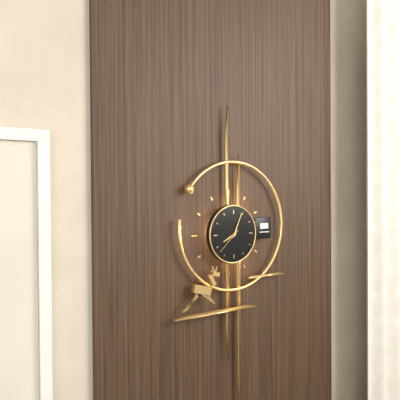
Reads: 8 h 04 min
